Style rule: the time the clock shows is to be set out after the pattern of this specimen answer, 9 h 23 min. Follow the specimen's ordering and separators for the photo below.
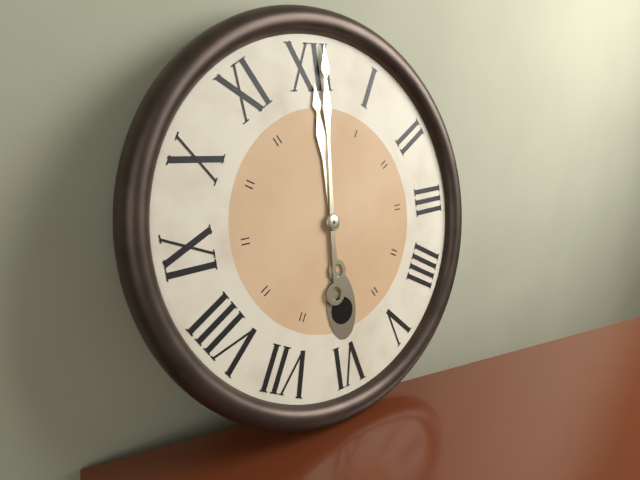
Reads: 12 h 01 min
